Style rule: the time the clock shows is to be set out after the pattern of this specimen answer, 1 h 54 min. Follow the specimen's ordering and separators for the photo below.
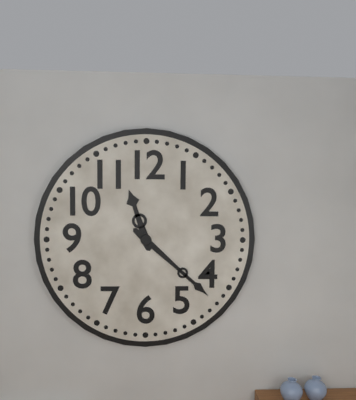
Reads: 11 h 22 min
